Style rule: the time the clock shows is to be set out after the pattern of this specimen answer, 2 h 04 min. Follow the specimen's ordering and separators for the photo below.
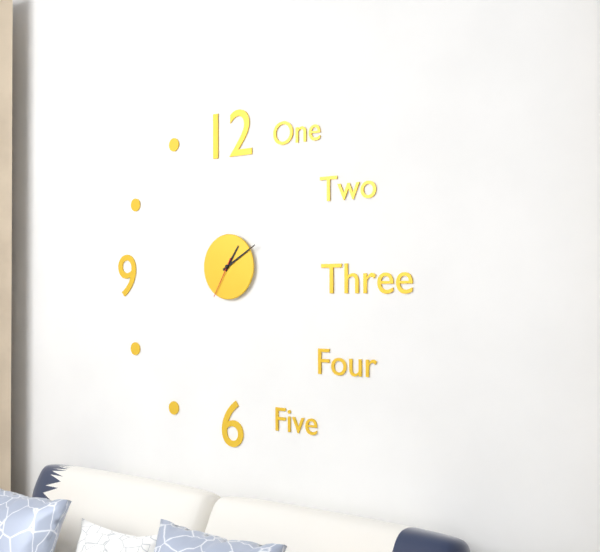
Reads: 1 h 10 min
